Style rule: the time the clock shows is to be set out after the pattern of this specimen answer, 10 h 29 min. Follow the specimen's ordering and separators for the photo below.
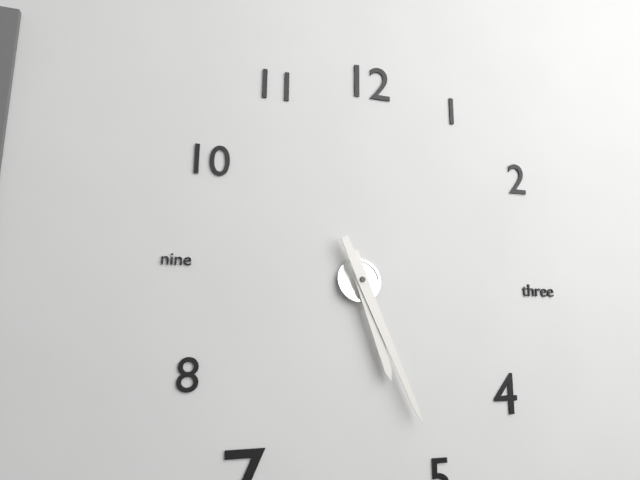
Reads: 5 h 26 min
